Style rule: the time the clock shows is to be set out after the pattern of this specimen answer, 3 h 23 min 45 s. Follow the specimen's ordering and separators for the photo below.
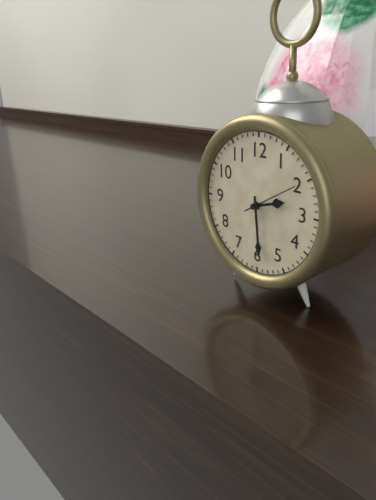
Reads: 2 h 29 min 10 s
